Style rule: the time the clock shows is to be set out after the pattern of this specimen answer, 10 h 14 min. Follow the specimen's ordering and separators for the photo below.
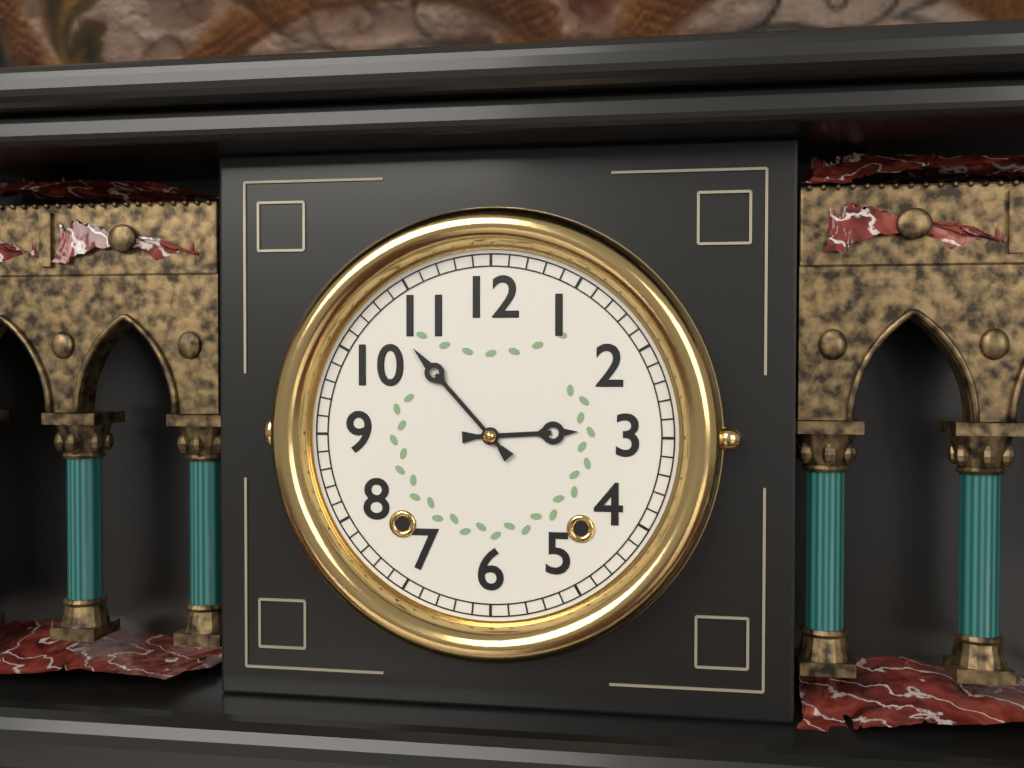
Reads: 2 h 53 min
